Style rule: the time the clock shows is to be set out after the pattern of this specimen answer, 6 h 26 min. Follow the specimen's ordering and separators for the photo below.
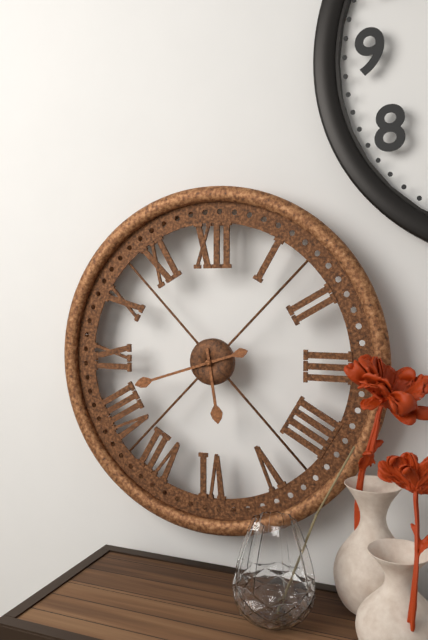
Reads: 5 h 42 min
